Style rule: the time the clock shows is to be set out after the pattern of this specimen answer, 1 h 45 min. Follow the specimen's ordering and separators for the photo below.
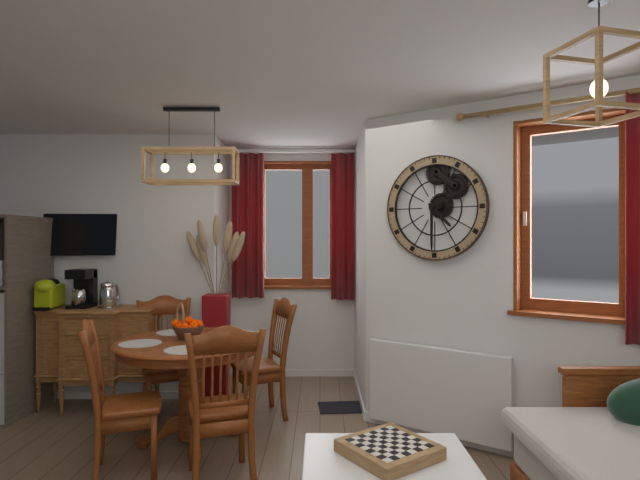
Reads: 4 h 30 min
